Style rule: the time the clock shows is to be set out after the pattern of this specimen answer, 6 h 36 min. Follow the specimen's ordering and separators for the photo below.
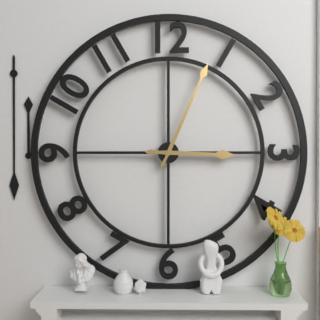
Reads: 3 h 04 min
